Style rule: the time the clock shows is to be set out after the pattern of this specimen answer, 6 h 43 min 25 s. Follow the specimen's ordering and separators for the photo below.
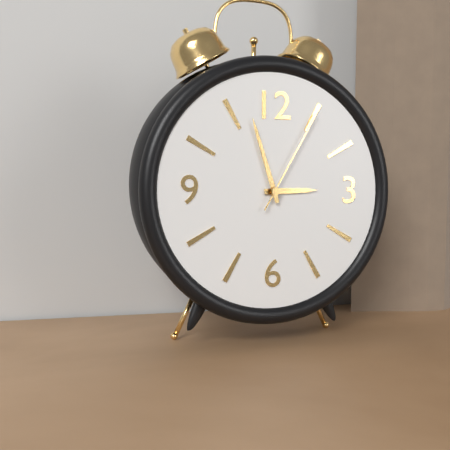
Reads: 2 h 57 min 05 s
